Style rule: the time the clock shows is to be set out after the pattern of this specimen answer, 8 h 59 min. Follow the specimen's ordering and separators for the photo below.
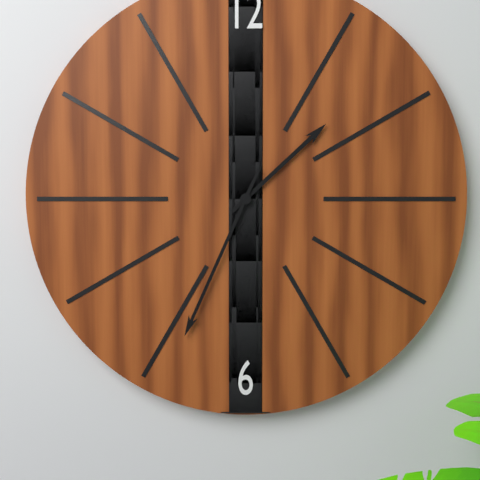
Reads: 1 h 34 min
